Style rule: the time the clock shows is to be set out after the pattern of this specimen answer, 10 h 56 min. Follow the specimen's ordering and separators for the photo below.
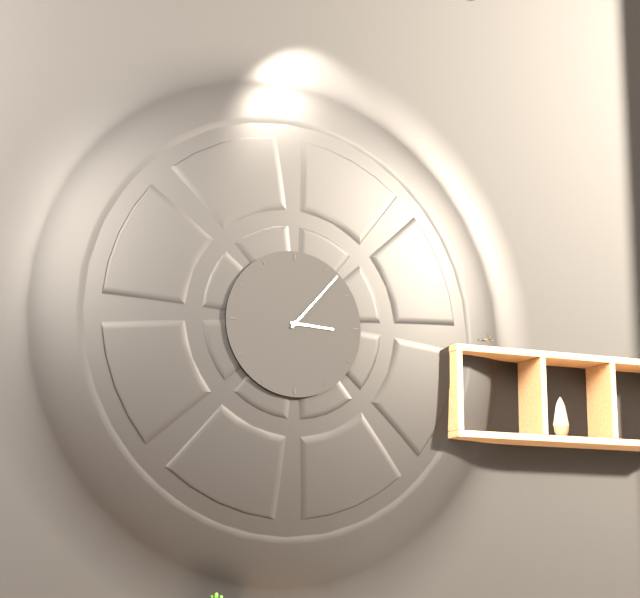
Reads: 3 h 07 min
